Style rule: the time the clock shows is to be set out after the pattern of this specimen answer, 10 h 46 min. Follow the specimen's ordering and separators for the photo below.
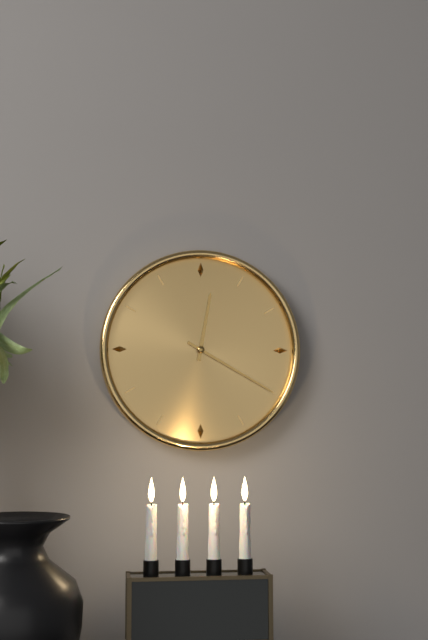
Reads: 12 h 20 min
